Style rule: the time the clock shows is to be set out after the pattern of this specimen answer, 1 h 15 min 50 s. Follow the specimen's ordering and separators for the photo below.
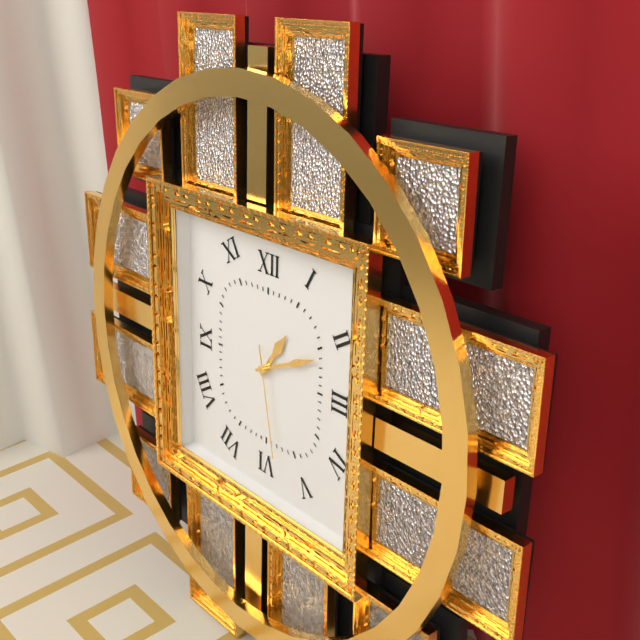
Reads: 1 h 11 min 28 s
